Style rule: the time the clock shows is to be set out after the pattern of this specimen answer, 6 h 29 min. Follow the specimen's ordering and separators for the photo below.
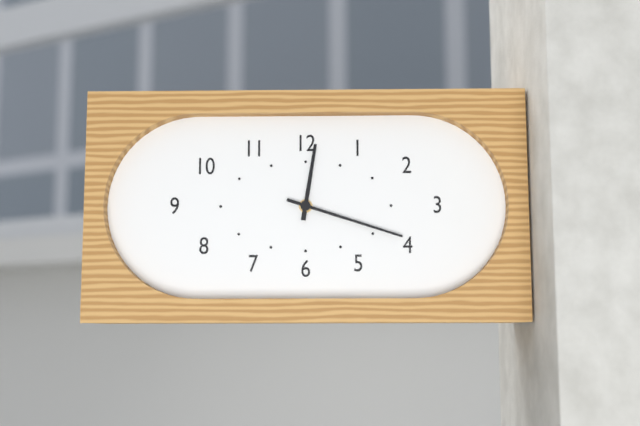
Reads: 12 h 18 min
